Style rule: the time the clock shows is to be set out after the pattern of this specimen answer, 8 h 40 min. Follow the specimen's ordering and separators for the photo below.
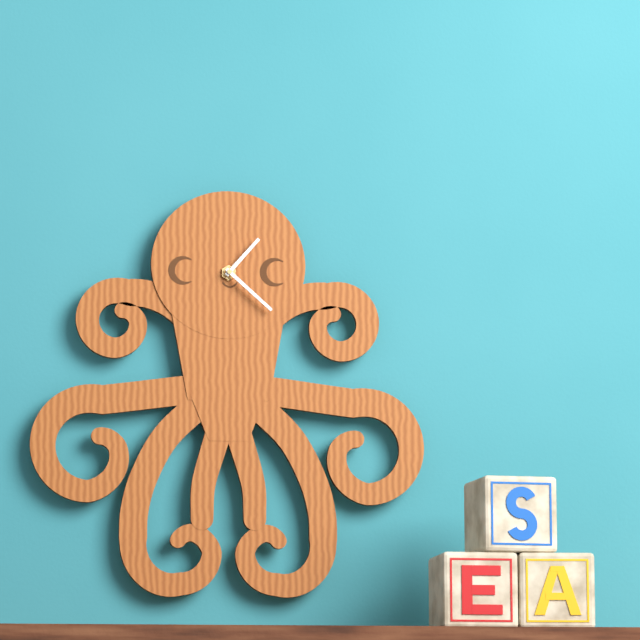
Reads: 1 h 22 min
